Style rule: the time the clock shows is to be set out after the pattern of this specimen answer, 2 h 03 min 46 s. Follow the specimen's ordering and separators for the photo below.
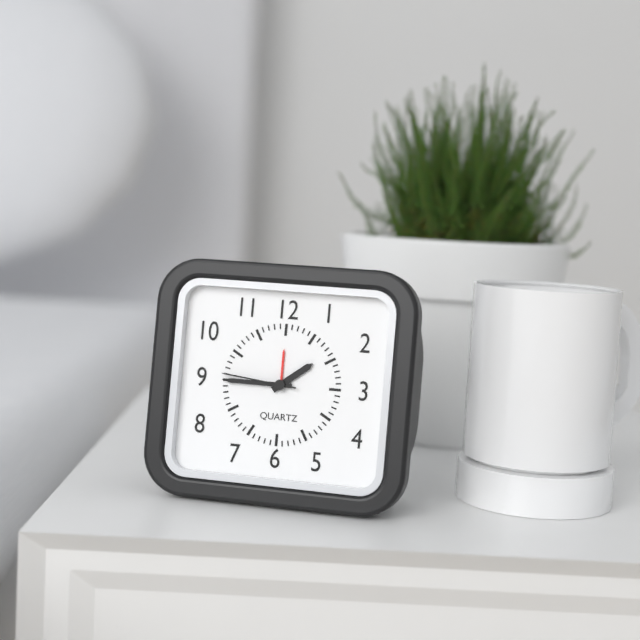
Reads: 1 h 45 min 46 s
